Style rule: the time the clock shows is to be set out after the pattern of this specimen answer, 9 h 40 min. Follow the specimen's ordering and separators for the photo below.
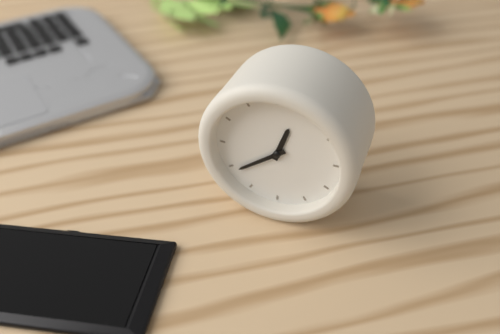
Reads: 12 h 39 min
